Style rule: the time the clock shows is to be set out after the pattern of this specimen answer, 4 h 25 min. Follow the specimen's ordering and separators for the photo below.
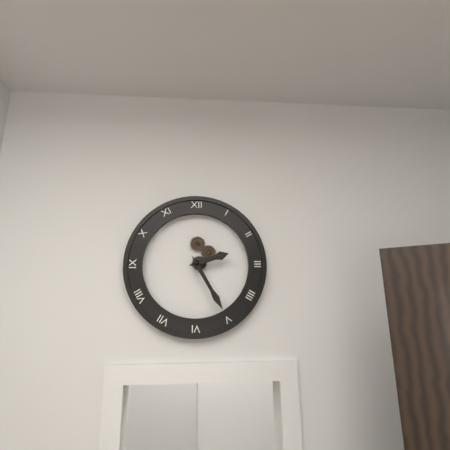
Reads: 2 h 25 min
